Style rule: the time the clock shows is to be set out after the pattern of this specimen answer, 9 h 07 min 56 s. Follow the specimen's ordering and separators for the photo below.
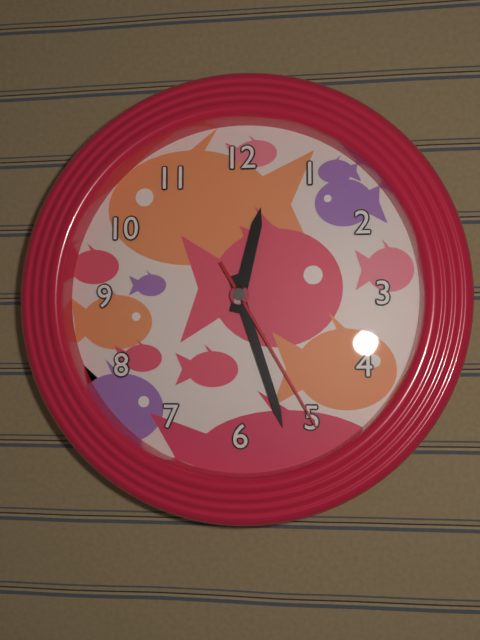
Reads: 12 h 27 min 25 s
